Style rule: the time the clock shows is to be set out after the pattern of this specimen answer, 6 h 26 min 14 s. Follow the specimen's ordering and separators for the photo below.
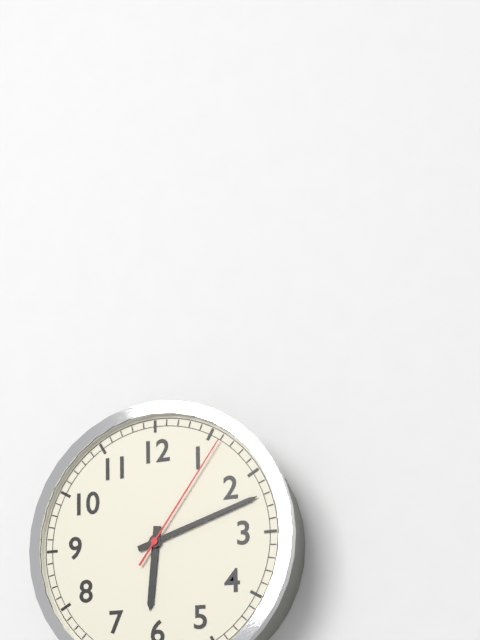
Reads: 6 h 12 min 06 s
